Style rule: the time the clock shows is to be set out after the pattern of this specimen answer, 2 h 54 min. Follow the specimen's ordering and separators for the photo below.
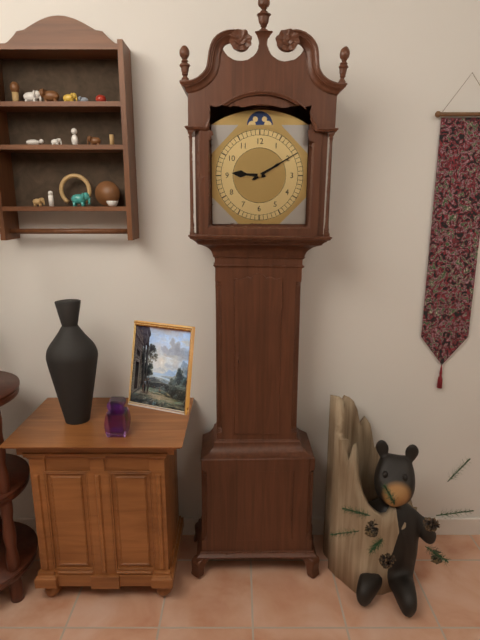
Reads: 9 h 10 min
